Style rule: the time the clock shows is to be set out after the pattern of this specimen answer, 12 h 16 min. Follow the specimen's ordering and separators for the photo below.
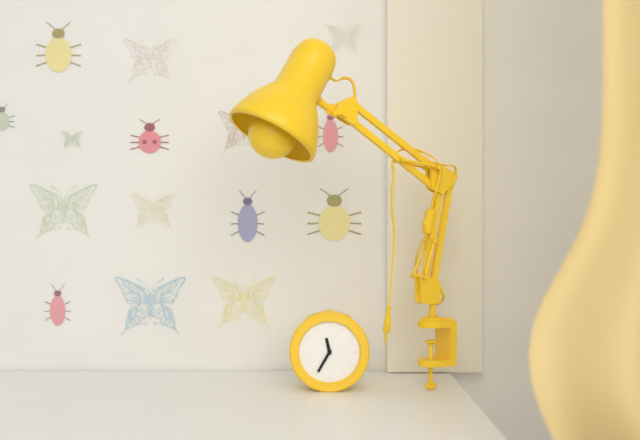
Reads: 11 h 35 min
